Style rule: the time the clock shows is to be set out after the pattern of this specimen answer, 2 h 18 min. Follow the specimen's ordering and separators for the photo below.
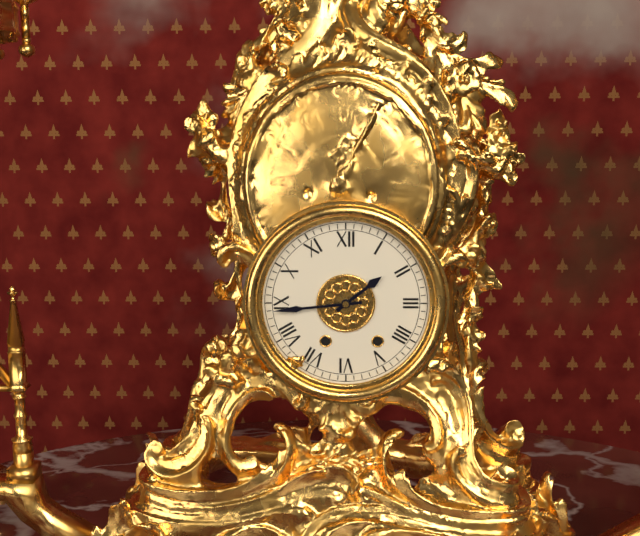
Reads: 1 h 44 min
